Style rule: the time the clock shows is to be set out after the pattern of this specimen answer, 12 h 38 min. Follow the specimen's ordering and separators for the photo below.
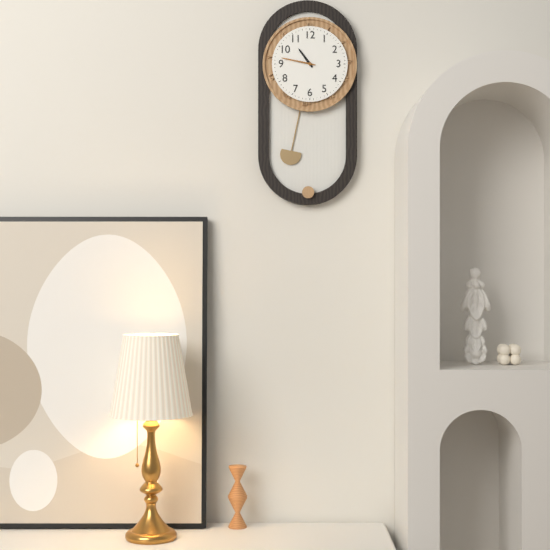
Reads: 10 h 47 min
